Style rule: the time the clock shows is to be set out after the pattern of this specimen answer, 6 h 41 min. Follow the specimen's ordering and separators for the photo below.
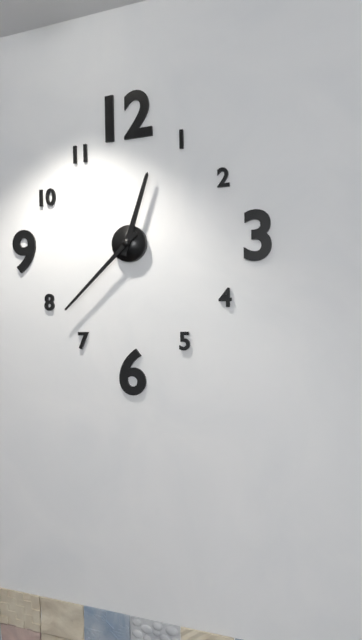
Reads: 12 h 38 min
